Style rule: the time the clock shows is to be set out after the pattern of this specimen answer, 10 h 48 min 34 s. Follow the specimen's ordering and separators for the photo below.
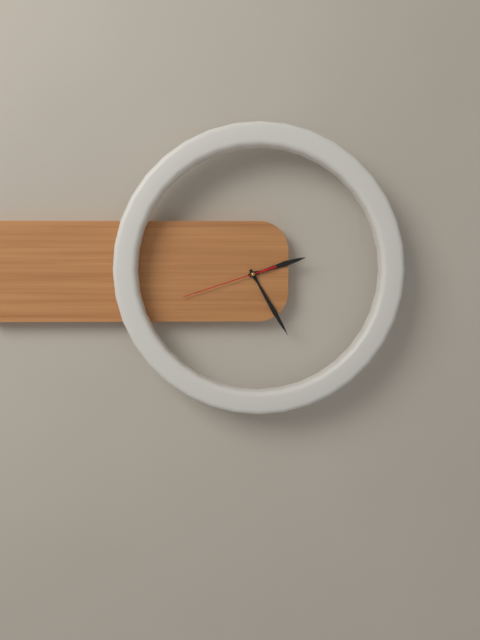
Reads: 2 h 25 min 42 s
